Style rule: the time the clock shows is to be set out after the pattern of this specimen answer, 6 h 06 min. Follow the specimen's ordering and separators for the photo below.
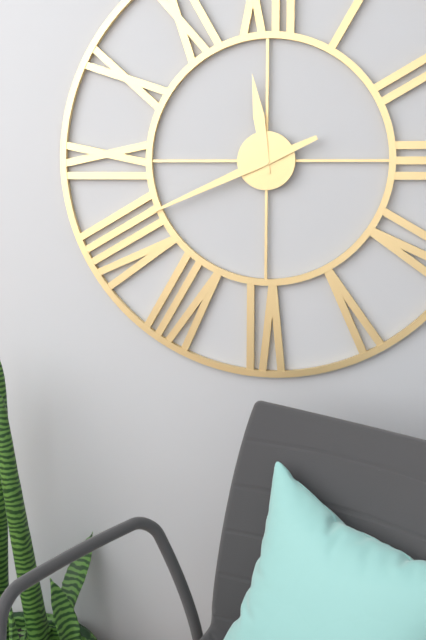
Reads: 11 h 41 min
